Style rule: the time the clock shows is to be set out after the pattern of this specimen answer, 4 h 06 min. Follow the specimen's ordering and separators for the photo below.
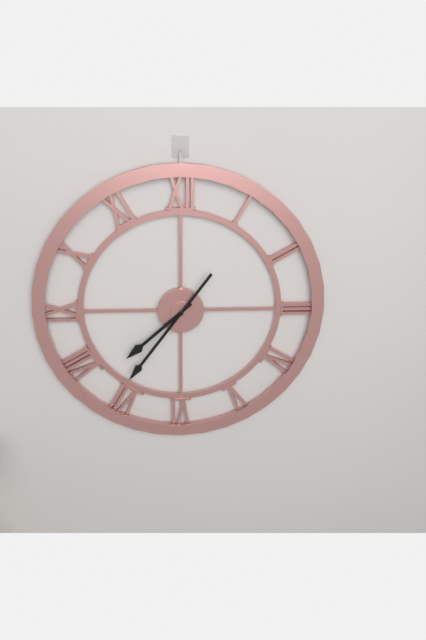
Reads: 7 h 36 min
